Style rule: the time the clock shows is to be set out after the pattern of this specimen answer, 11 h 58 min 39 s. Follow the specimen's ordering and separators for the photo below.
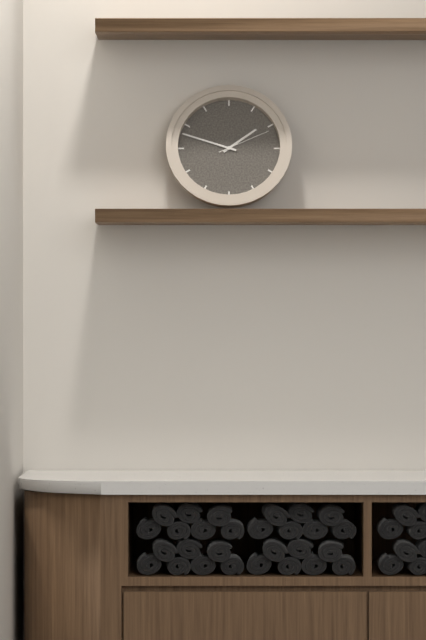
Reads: 1 h 48 min 11 s
